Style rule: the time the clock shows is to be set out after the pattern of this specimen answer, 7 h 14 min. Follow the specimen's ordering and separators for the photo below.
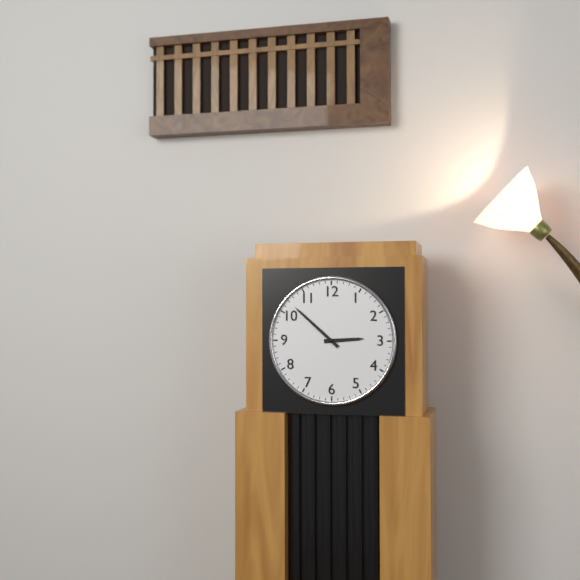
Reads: 2 h 52 min
